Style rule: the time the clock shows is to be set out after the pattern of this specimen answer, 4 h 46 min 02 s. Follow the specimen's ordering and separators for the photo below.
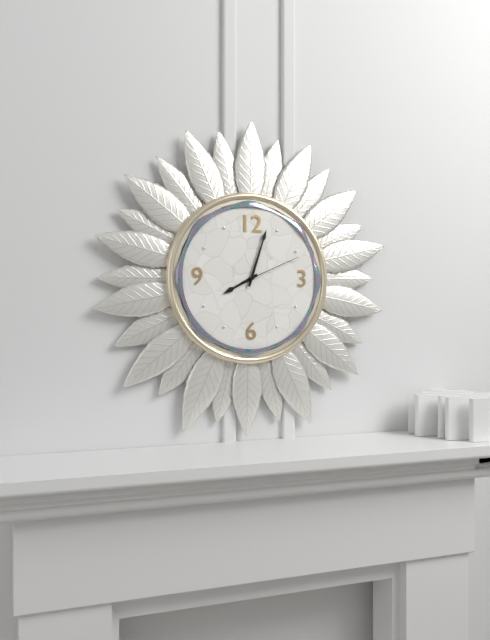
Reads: 8 h 03 min 11 s
